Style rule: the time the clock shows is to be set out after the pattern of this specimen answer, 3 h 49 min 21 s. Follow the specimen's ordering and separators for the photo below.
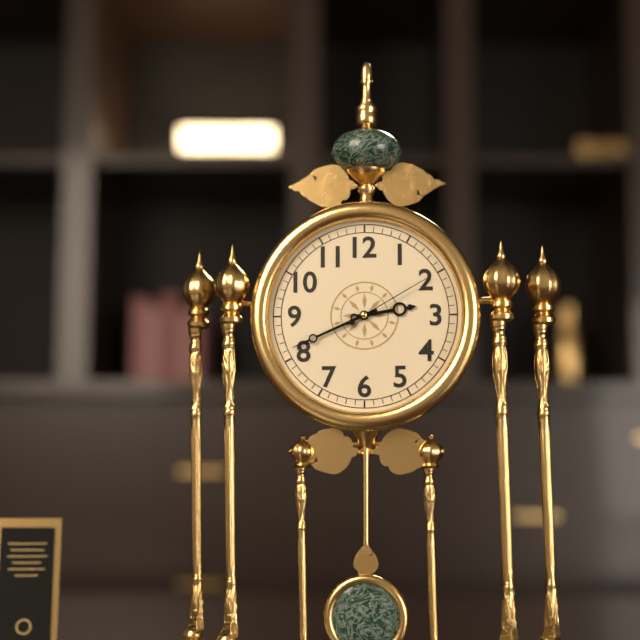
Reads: 2 h 41 min 10 s
